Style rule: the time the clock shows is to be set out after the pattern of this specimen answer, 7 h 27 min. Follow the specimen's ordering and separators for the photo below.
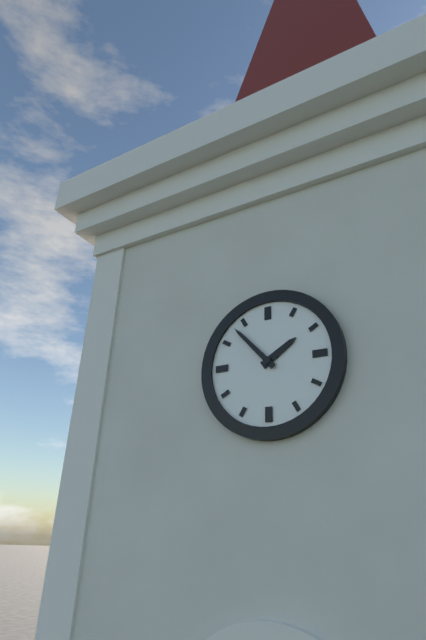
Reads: 1 h 53 min
